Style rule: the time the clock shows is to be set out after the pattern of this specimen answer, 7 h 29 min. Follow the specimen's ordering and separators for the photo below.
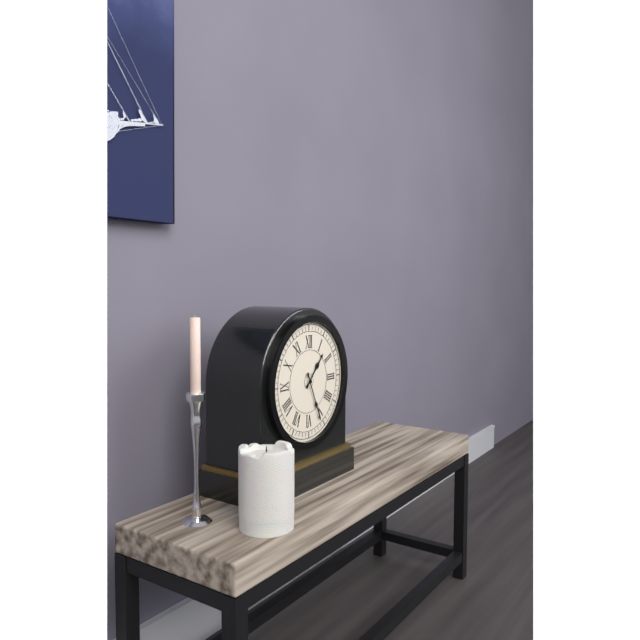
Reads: 1 h 26 min
